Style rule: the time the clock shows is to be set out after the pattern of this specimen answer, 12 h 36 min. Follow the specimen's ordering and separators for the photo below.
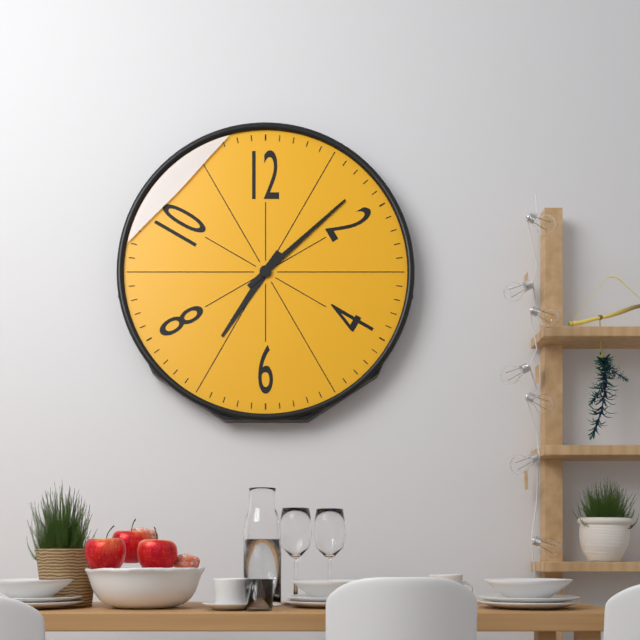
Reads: 7 h 08 min
